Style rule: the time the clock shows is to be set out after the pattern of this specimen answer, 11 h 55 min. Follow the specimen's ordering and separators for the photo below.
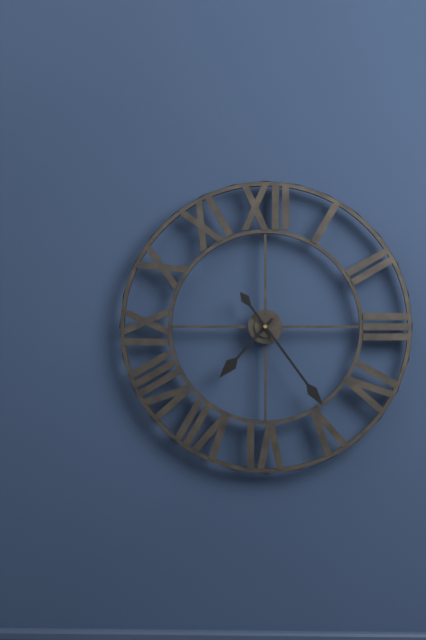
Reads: 7 h 24 min
